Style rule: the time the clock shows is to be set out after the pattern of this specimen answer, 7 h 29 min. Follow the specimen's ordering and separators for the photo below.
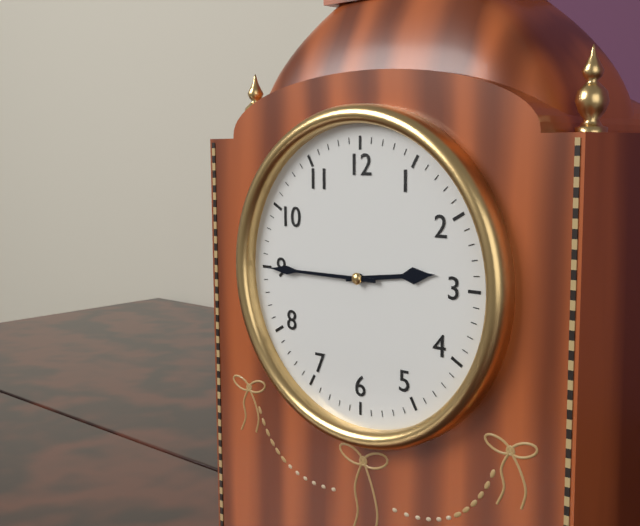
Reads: 2 h 45 min
